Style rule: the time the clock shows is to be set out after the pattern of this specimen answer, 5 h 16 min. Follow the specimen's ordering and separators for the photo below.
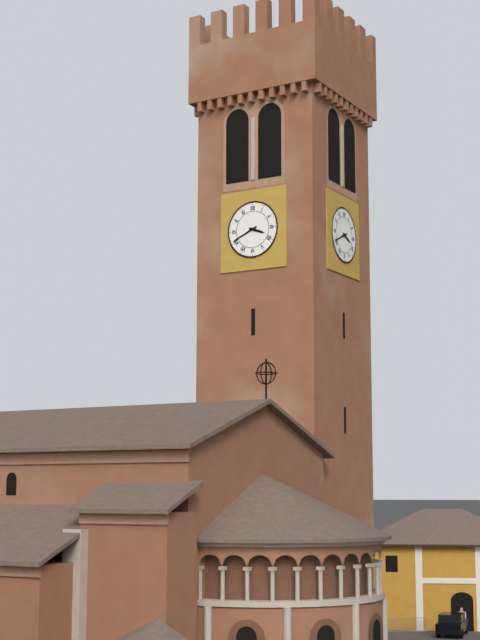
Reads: 3 h 41 min
